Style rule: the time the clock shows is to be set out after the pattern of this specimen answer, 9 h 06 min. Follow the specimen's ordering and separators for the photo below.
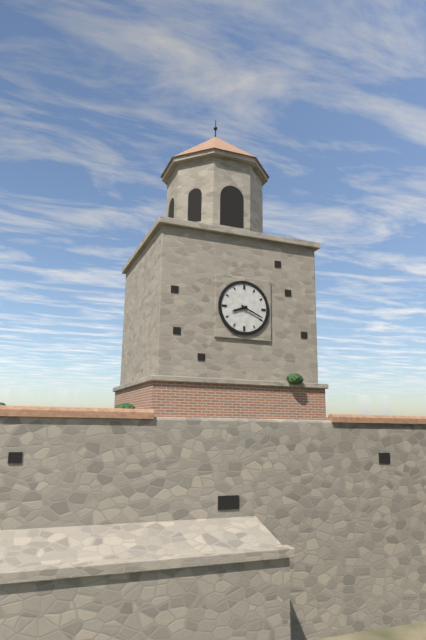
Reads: 8 h 19 min
